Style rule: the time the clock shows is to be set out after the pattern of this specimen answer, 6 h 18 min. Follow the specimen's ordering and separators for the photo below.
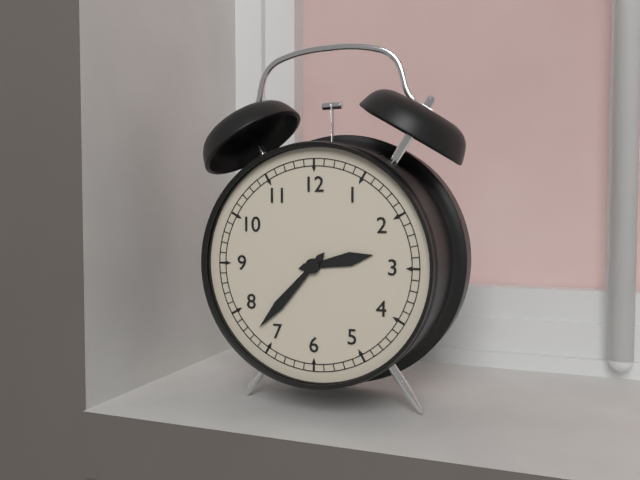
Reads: 2 h 37 min
